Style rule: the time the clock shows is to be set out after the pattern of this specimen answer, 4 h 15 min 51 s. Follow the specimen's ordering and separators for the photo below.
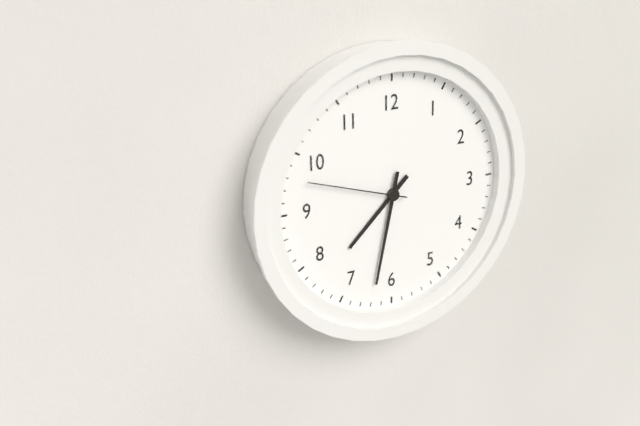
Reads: 7 h 32 min 48 s
